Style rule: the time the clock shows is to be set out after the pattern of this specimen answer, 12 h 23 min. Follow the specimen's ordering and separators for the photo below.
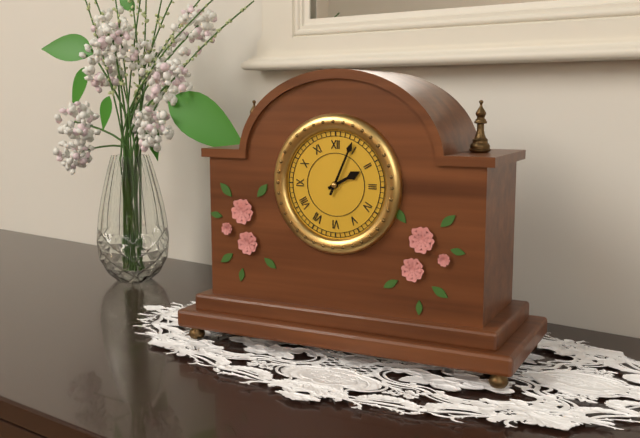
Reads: 2 h 04 min
